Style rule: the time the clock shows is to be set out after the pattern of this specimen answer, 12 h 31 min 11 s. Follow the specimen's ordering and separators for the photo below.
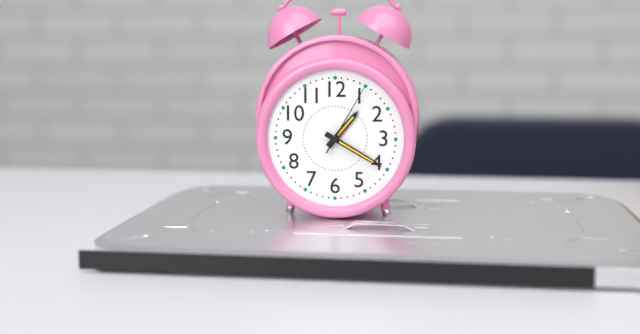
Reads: 1 h 20 min 05 s
